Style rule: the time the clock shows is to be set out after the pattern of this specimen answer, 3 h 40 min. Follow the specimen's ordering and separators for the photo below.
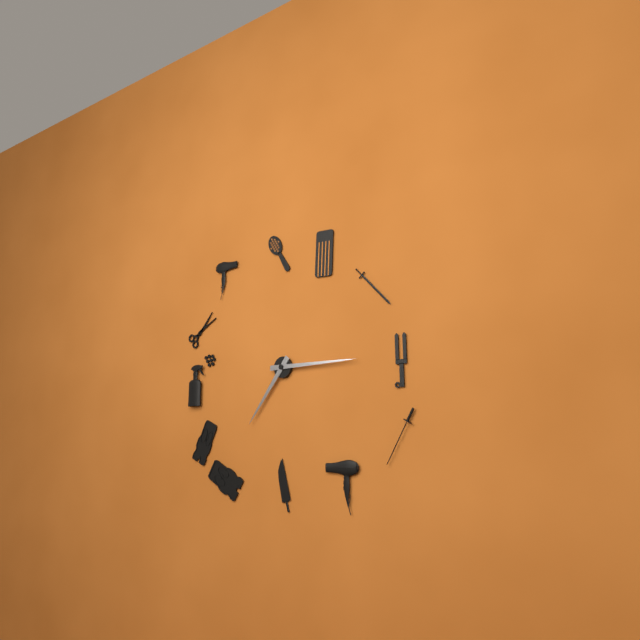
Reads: 7 h 15 min
